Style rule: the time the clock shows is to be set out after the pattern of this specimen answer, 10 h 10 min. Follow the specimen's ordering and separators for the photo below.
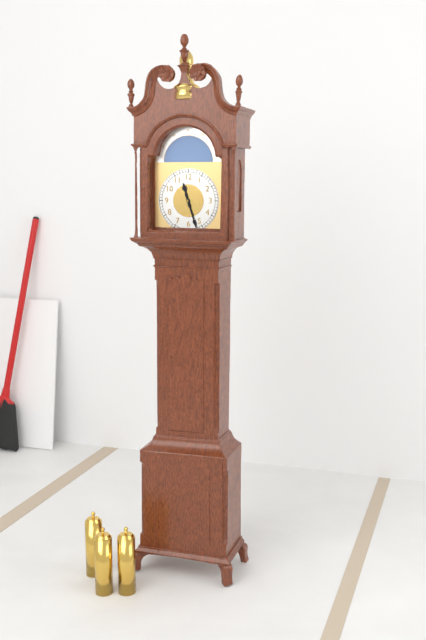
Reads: 11 h 27 min
